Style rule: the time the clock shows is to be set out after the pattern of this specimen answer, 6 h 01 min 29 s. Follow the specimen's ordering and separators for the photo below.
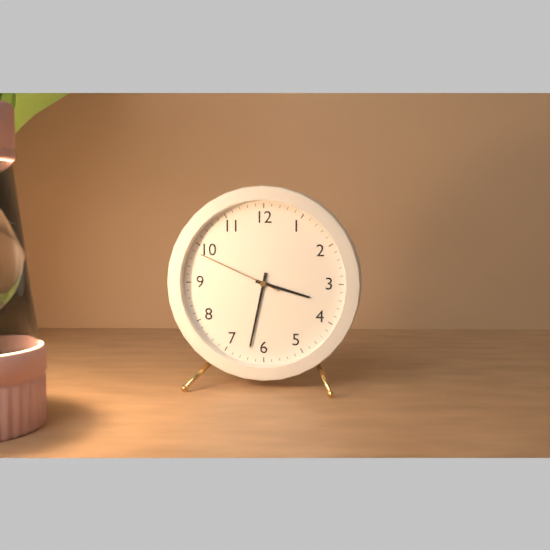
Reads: 3 h 32 min 49 s
